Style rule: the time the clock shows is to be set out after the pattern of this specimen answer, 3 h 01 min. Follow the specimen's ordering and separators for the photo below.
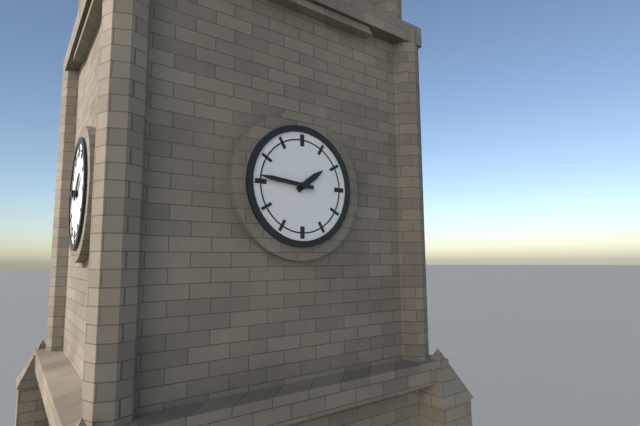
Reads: 1 h 46 min
